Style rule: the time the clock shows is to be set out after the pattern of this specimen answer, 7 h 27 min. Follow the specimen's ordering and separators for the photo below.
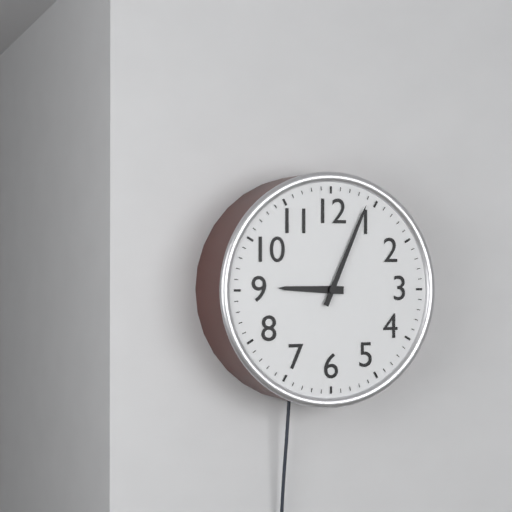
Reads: 9 h 04 min
